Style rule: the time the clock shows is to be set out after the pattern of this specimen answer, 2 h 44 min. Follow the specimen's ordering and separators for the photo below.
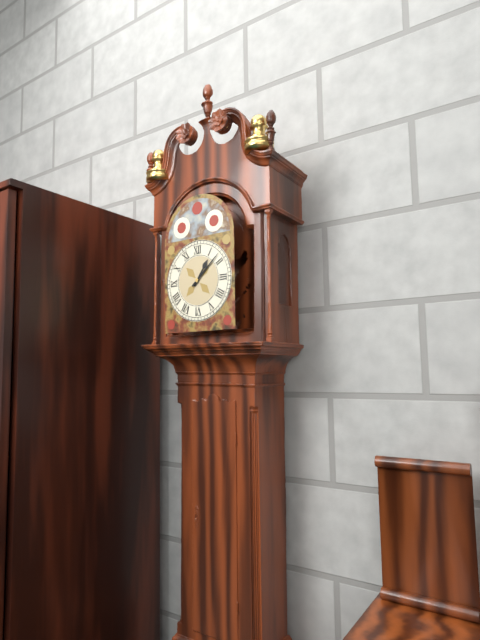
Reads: 1 h 08 min
